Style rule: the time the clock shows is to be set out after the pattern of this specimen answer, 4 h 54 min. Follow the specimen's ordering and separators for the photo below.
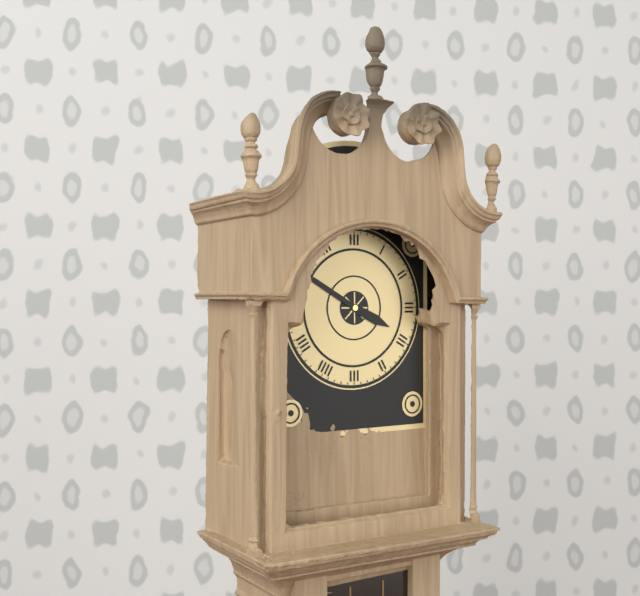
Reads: 3 h 50 min
